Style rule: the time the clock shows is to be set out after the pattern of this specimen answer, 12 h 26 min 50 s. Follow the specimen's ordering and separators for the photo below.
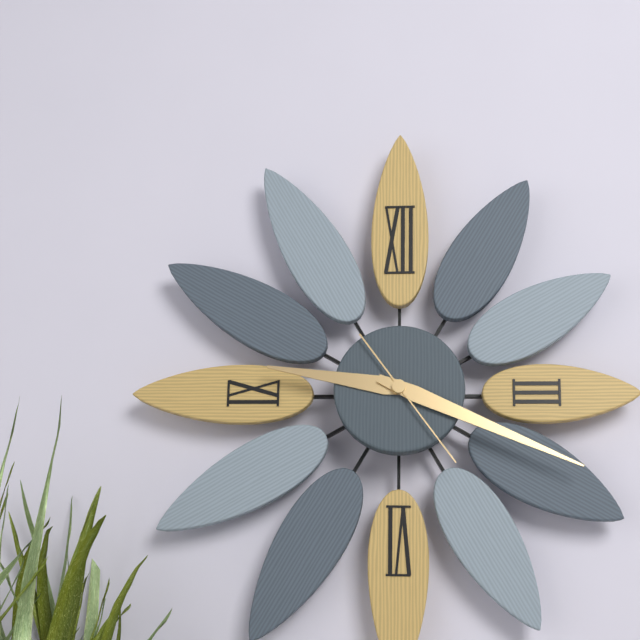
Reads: 9 h 19 min 24 s
